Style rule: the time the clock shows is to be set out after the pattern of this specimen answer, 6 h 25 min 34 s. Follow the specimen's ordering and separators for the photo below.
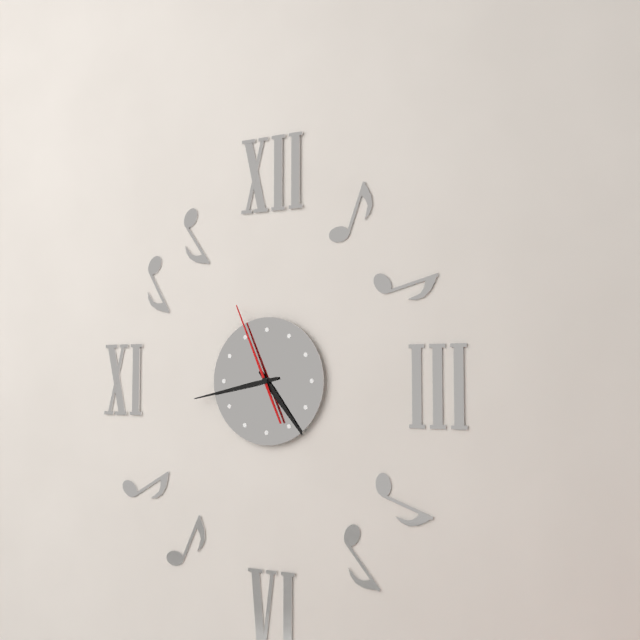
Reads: 4 h 43 min 56 s
